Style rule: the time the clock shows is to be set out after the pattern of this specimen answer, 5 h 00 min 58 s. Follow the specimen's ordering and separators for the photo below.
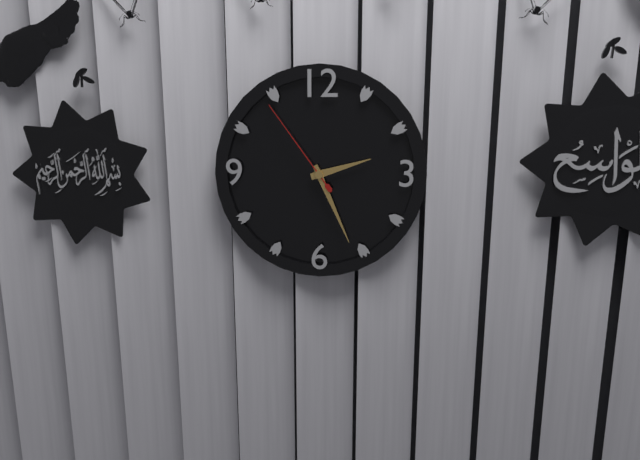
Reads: 2 h 26 min 54 s
